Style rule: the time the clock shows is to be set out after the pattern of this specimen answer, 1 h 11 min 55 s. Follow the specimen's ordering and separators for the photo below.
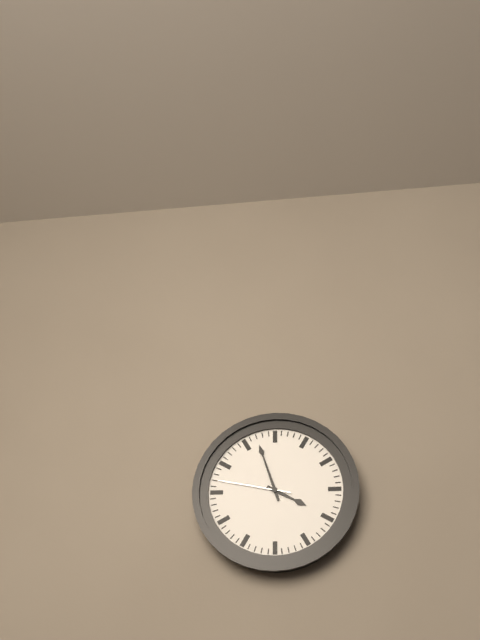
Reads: 3 h 57 min 47 s
